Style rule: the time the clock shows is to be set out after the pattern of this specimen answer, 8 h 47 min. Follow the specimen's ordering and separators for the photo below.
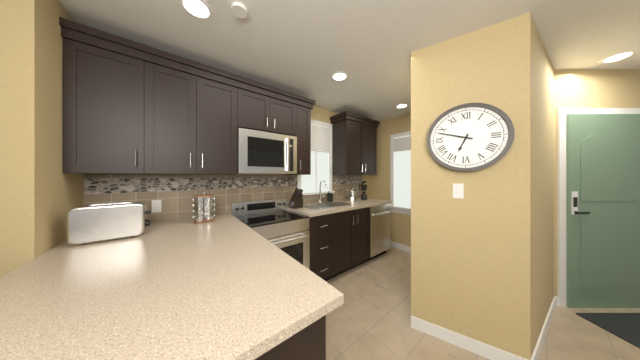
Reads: 6 h 48 min
